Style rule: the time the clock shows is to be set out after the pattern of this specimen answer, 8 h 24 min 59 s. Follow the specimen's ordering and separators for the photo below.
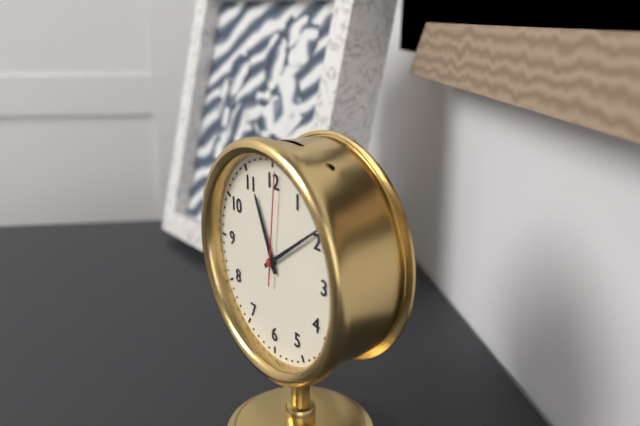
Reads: 11 h 09 min 01 s
